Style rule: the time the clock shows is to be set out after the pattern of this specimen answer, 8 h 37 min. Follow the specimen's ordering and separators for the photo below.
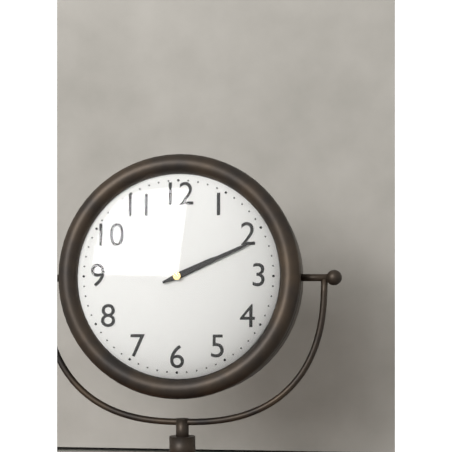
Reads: 2 h 11 min
